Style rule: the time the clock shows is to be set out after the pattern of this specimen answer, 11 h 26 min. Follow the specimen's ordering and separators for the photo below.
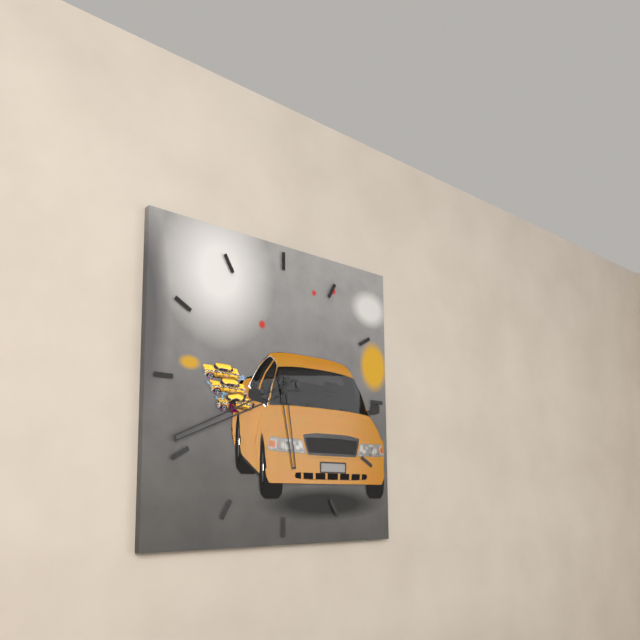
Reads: 5 h 41 min
